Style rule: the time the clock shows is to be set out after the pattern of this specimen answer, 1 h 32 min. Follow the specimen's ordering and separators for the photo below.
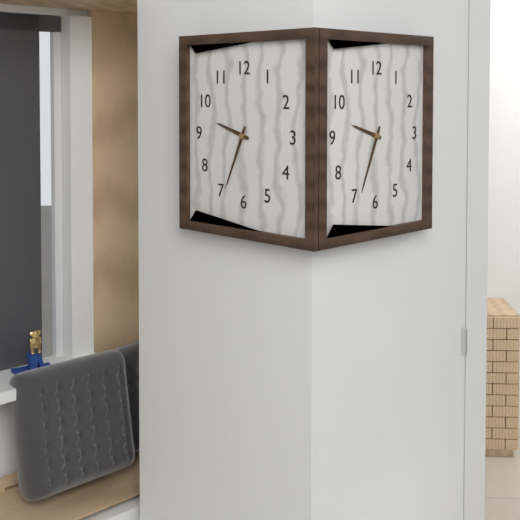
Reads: 9 h 34 min
